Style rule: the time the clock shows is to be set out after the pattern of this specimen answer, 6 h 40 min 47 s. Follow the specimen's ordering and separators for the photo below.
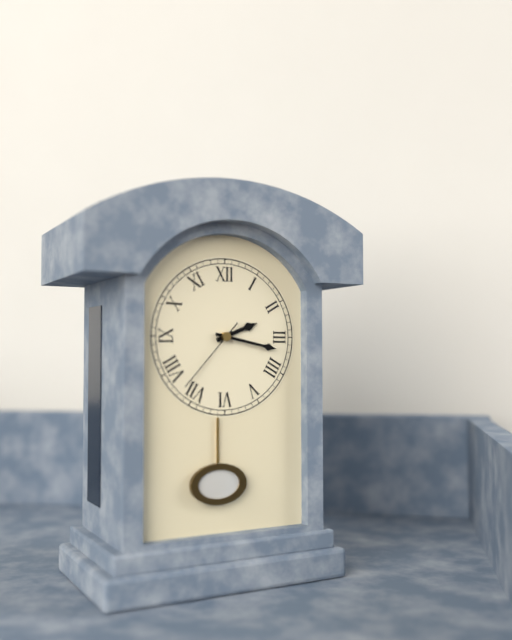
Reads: 2 h 17 min 37 s
